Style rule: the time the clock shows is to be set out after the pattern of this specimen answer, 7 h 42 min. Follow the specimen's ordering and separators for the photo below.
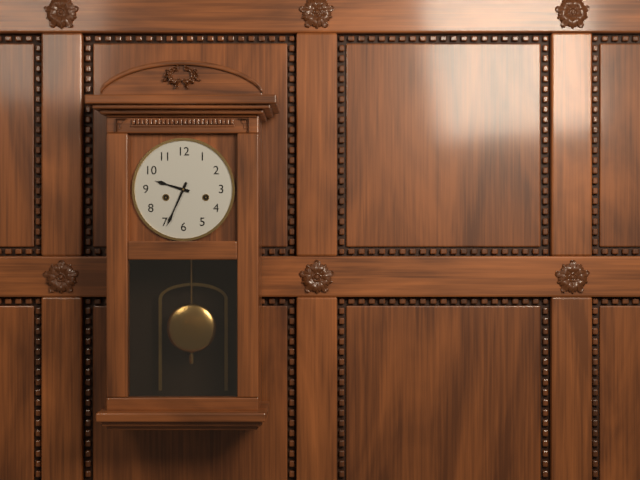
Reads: 9 h 34 min
